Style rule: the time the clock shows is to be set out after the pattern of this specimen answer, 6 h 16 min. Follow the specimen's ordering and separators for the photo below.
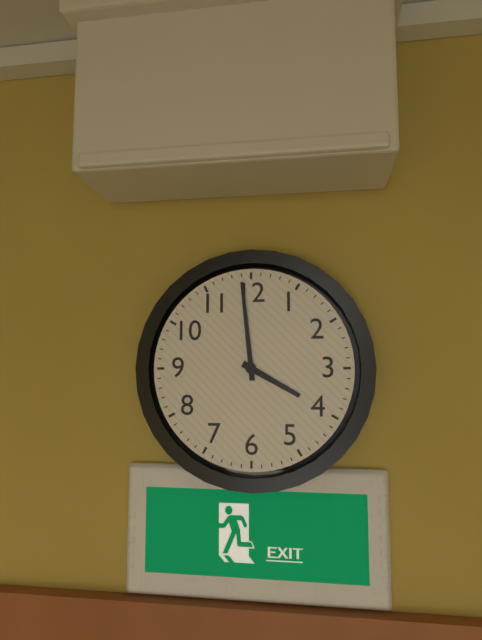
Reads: 3 h 59 min
